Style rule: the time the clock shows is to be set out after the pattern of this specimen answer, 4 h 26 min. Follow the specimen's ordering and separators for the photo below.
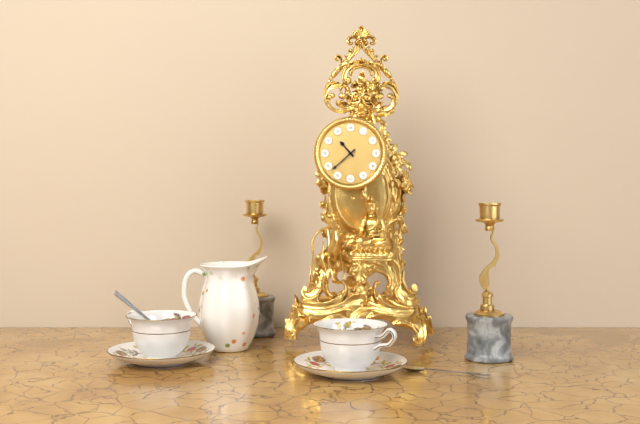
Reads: 10 h 38 min
